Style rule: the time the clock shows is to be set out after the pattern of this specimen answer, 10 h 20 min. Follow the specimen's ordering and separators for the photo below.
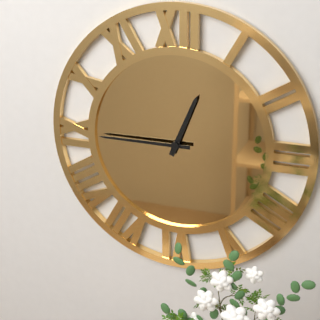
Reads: 12 h 45 min
